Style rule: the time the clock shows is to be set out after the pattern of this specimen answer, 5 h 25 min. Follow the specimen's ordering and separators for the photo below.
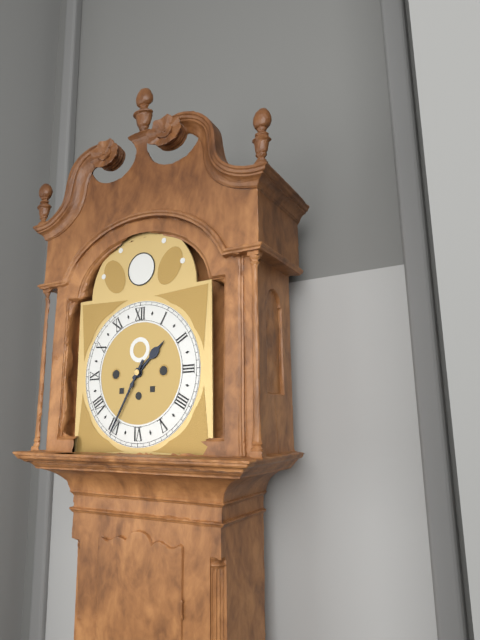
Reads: 1 h 35 min
